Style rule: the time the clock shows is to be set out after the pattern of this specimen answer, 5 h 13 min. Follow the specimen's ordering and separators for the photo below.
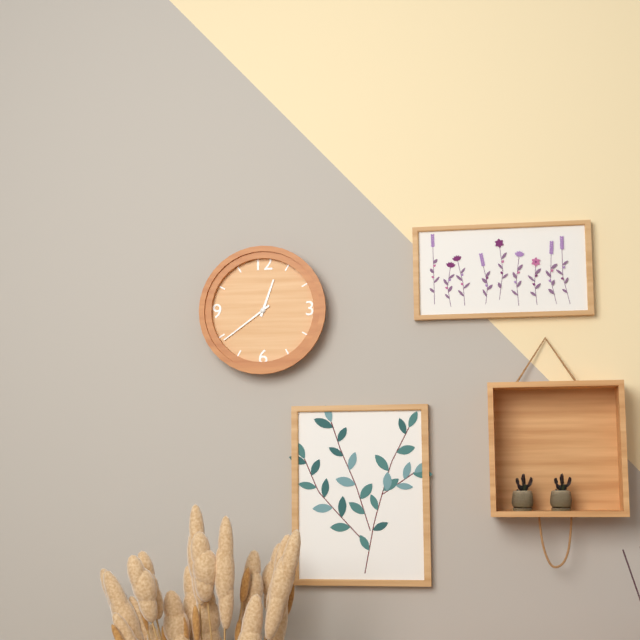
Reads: 12 h 39 min
